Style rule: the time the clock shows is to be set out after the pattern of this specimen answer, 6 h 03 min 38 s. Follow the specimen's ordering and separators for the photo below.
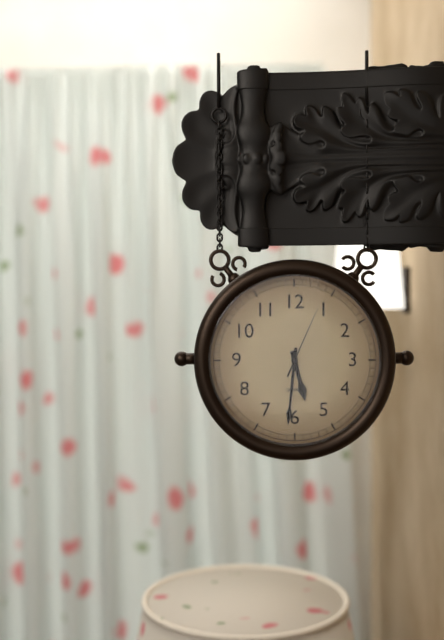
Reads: 5 h 31 min 04 s
